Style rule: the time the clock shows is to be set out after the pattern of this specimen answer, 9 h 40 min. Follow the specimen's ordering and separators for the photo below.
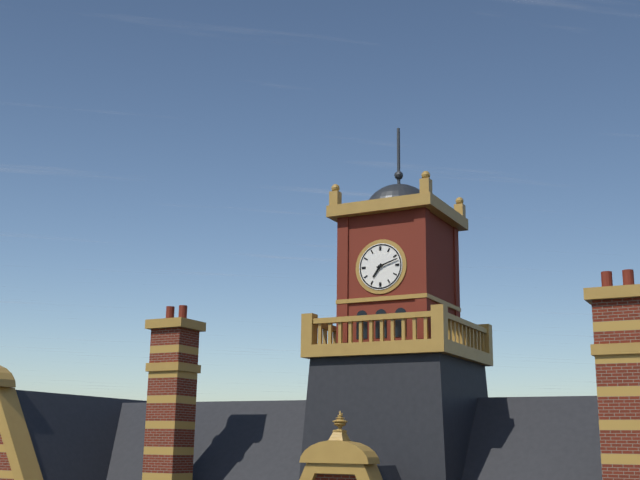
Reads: 7 h 12 min
